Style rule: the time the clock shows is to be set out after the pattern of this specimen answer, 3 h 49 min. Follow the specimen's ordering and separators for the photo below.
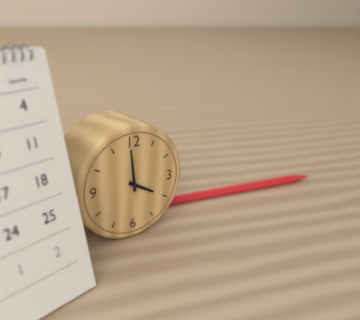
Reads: 3 h 59 min
